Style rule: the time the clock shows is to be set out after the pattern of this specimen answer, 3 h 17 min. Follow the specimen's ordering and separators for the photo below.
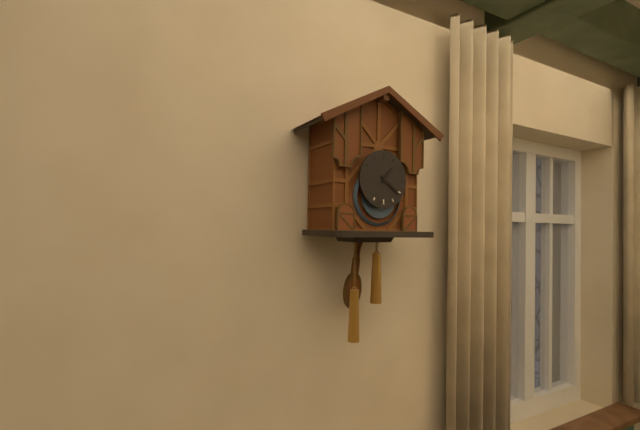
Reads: 1 h 21 min
